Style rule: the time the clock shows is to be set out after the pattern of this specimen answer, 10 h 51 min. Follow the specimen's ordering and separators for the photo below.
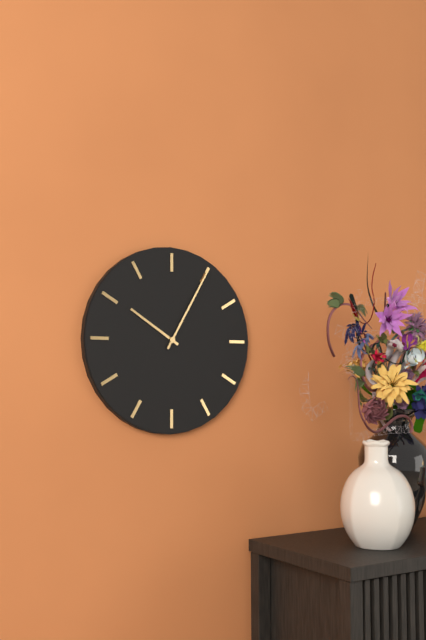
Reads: 10 h 05 min
